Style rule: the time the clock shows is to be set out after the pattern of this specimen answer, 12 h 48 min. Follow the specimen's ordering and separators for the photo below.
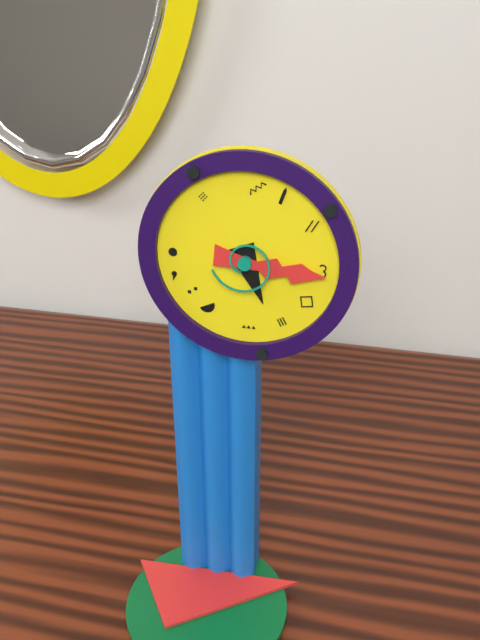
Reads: 5 h 16 min
